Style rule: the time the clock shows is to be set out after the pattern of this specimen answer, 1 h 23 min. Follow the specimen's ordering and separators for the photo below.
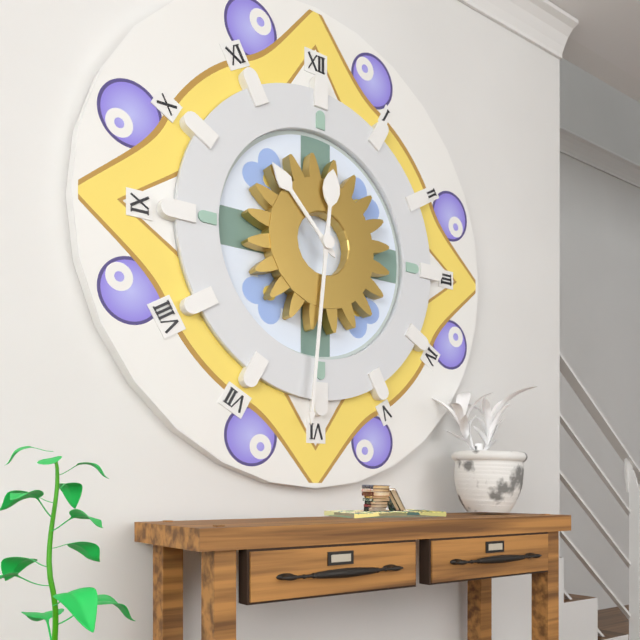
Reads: 10 h 31 min
